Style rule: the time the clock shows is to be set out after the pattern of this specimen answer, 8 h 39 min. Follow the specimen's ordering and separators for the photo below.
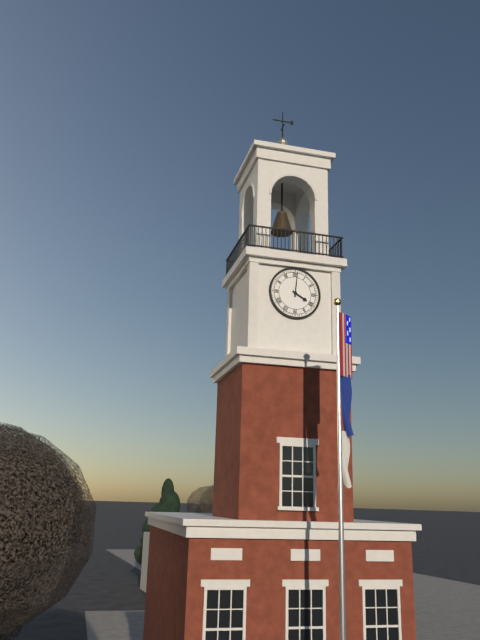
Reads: 4 h 01 min
